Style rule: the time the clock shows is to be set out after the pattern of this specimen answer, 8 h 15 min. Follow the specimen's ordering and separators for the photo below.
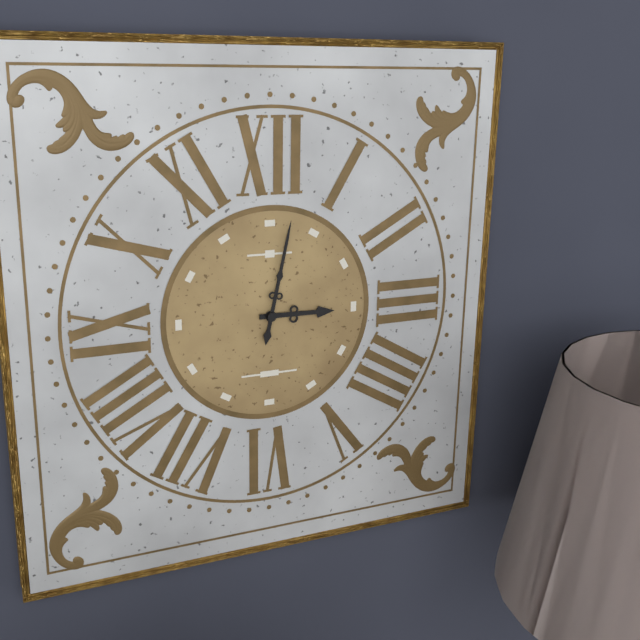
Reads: 3 h 02 min
